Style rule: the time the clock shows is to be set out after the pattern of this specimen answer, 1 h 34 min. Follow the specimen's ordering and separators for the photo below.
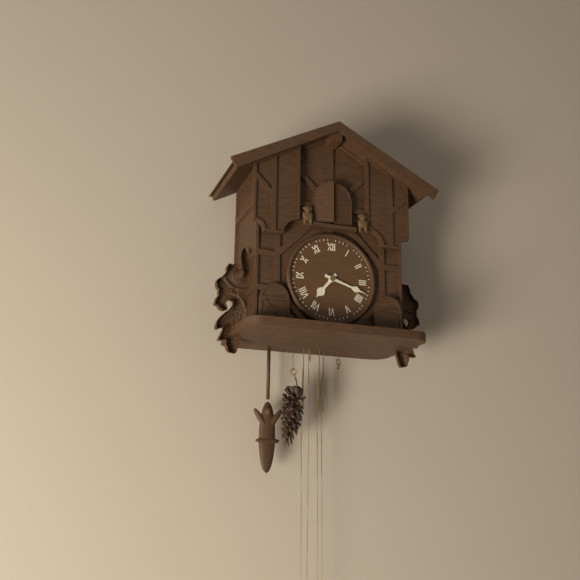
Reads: 7 h 18 min
